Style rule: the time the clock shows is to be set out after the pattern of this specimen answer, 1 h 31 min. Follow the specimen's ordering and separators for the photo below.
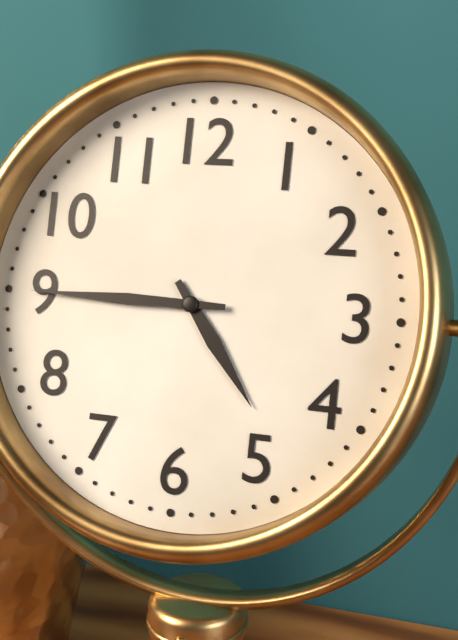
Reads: 4 h 45 min
